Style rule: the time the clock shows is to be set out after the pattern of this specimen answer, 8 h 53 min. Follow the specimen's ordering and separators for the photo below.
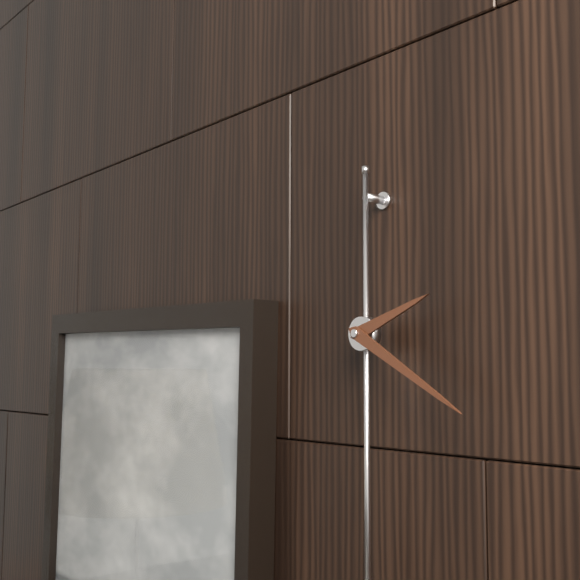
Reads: 2 h 20 min
